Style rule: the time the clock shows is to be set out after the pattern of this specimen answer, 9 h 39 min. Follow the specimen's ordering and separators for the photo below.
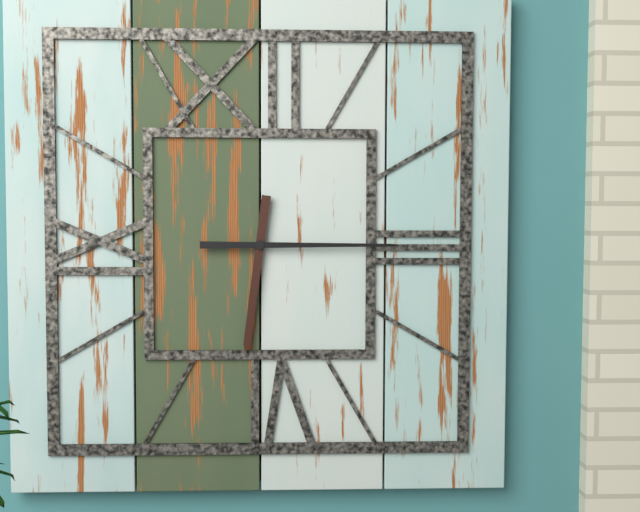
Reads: 6 h 15 min
